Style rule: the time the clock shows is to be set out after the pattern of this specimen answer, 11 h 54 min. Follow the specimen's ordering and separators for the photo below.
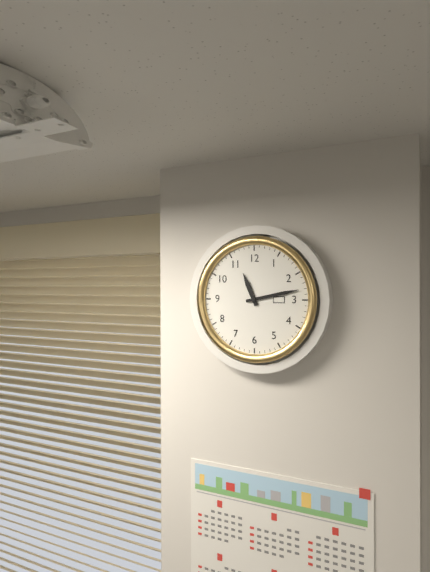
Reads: 11 h 13 min
